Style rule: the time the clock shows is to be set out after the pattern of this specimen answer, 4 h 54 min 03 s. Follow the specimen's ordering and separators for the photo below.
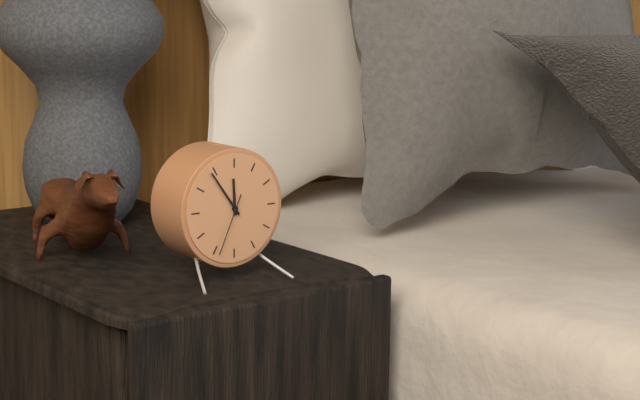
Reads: 11 h 54 min 34 s
